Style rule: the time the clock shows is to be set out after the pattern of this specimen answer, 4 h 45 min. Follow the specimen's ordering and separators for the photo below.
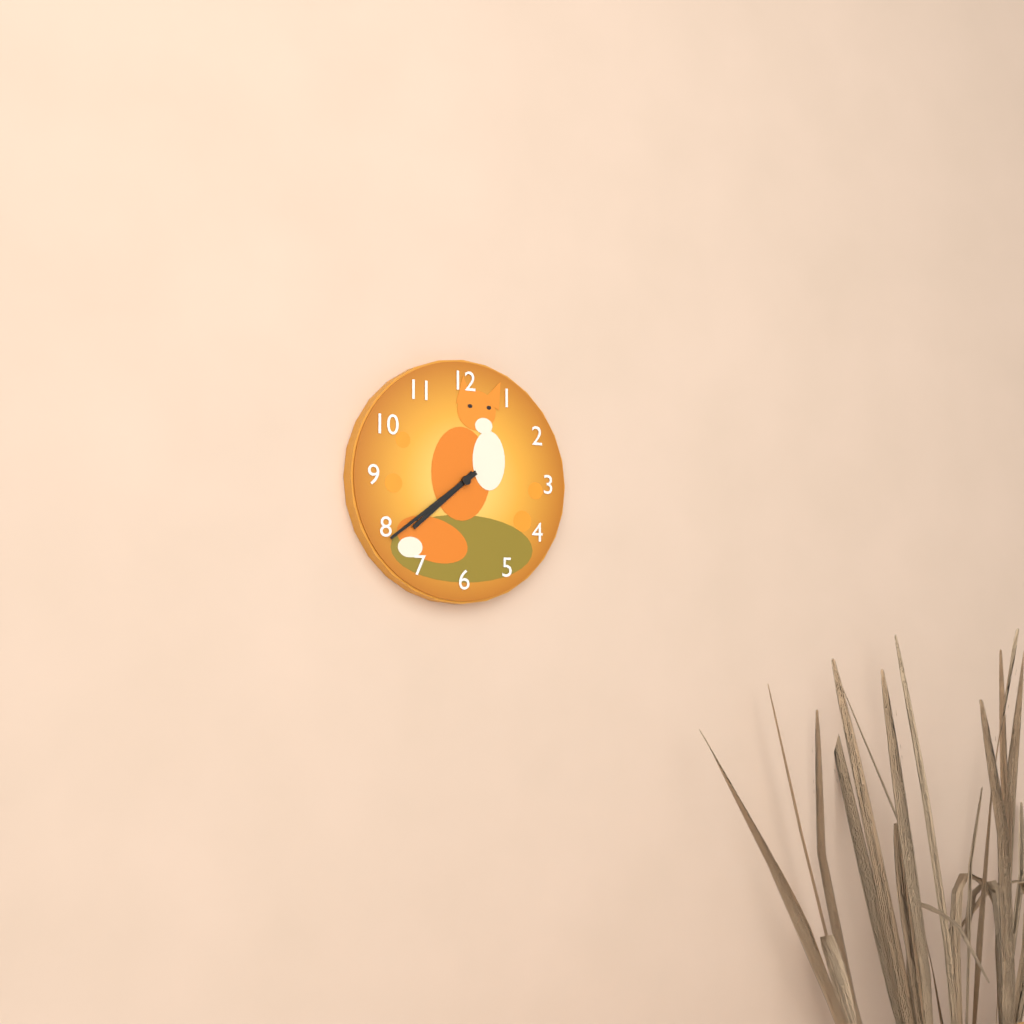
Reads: 7 h 39 min
